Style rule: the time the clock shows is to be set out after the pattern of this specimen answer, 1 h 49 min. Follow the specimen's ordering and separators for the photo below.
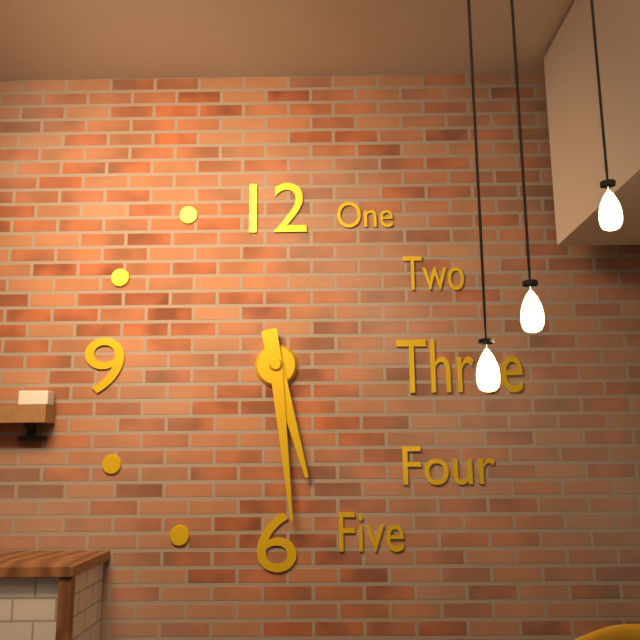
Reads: 5 h 29 min
